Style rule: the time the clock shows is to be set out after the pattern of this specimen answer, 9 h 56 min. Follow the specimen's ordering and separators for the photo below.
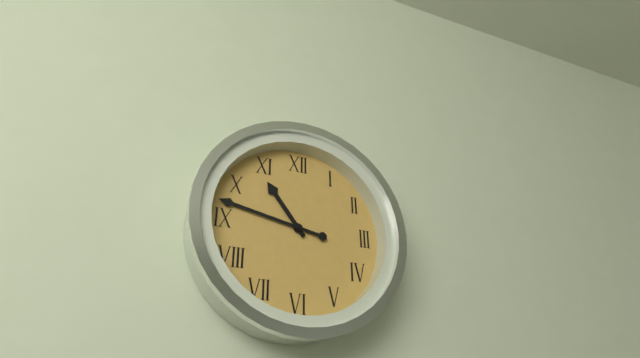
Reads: 10 h 47 min
